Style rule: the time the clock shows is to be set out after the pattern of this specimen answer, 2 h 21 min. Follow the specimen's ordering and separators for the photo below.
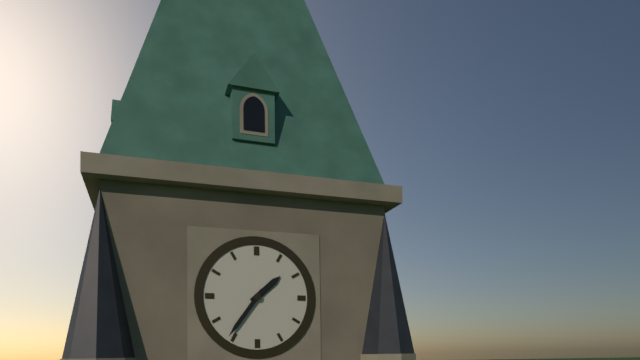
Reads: 1 h 36 min
